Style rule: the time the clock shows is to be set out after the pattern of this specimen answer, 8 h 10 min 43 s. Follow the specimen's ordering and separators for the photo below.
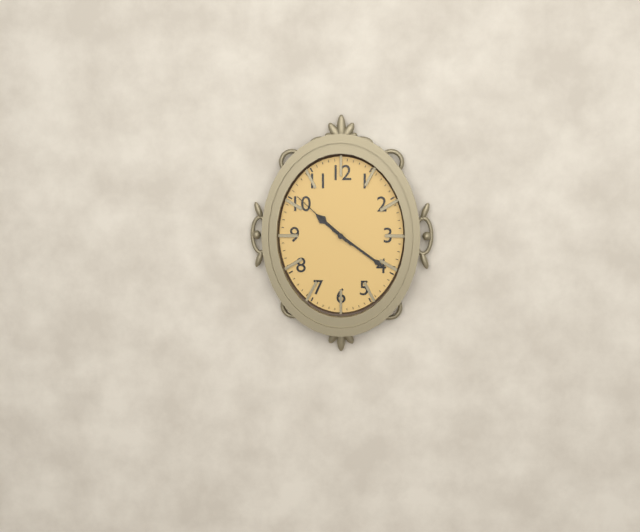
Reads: 10 h 21 min 52 s
